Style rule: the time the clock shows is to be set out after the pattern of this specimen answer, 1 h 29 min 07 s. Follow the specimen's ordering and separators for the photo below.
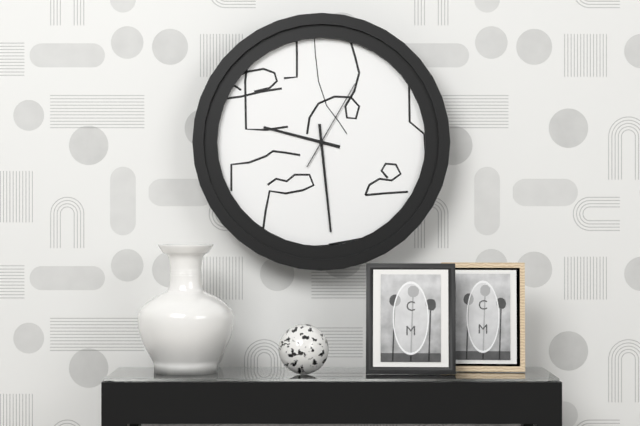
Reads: 9 h 29 min 05 s
